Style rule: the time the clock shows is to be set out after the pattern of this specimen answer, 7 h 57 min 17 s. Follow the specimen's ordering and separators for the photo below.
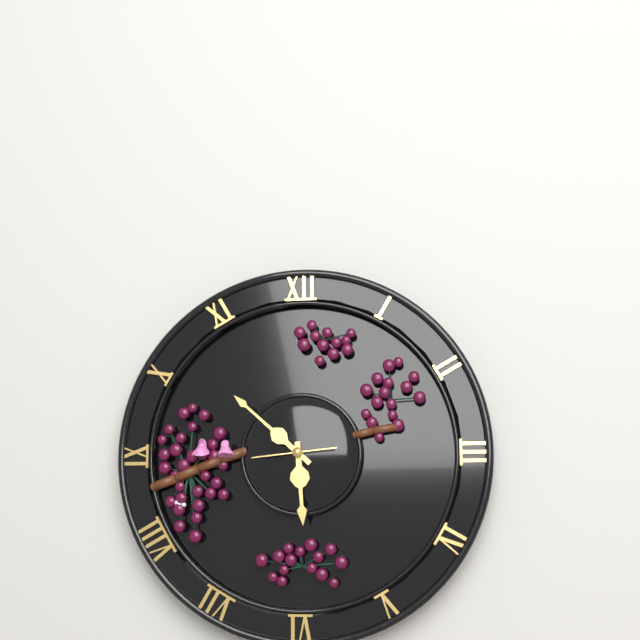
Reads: 5 h 52 min 44 s
